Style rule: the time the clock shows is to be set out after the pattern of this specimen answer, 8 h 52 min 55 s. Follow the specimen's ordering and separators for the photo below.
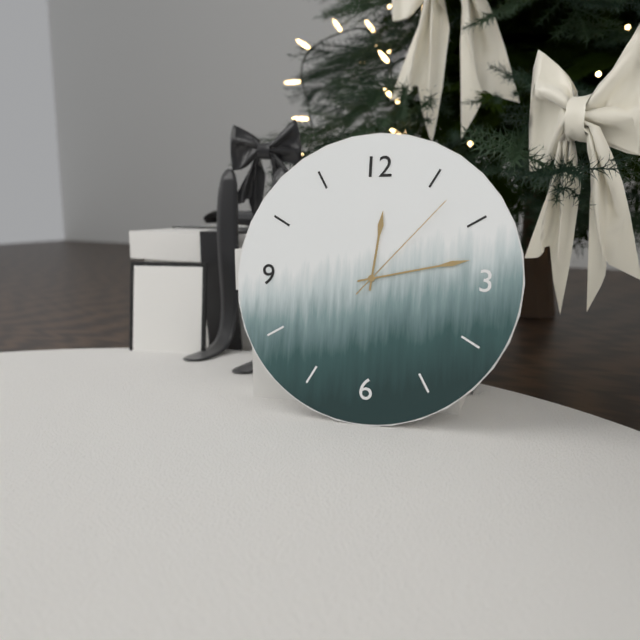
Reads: 12 h 13 min 07 s
